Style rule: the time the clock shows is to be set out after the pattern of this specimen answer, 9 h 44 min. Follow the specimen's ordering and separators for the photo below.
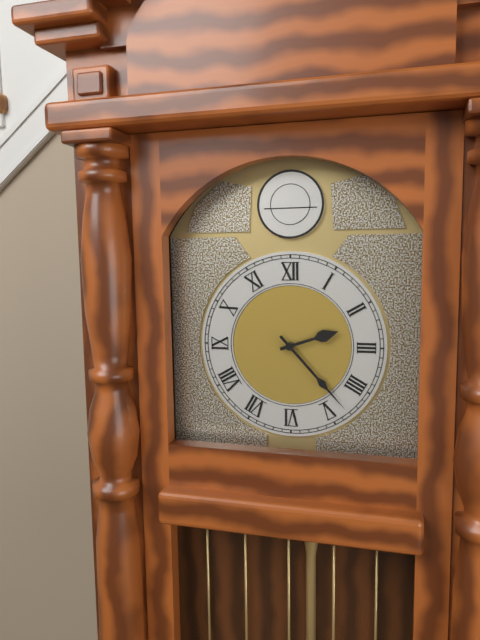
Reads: 2 h 23 min
